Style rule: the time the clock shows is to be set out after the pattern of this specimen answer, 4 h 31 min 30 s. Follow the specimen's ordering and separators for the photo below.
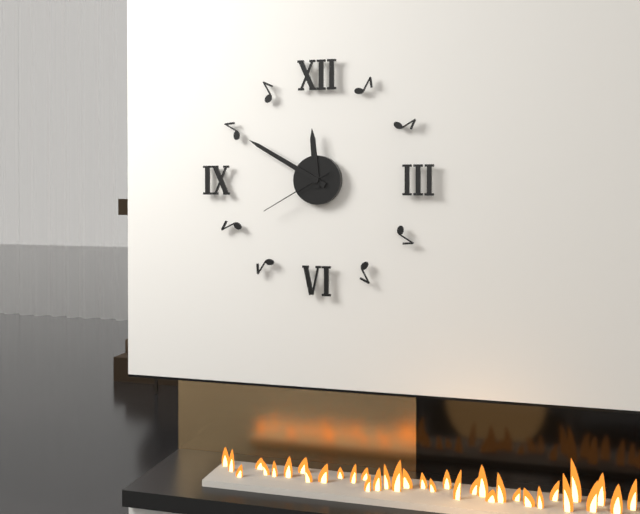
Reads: 11 h 50 min 40 s
